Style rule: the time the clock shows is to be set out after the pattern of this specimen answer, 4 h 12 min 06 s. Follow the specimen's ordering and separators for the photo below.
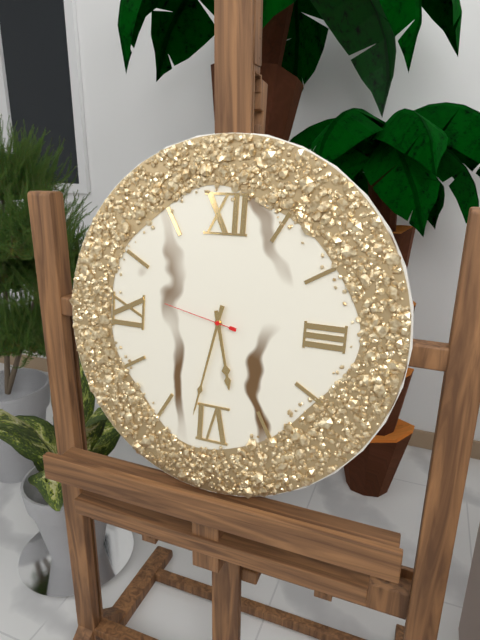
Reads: 5 h 32 min 47 s
